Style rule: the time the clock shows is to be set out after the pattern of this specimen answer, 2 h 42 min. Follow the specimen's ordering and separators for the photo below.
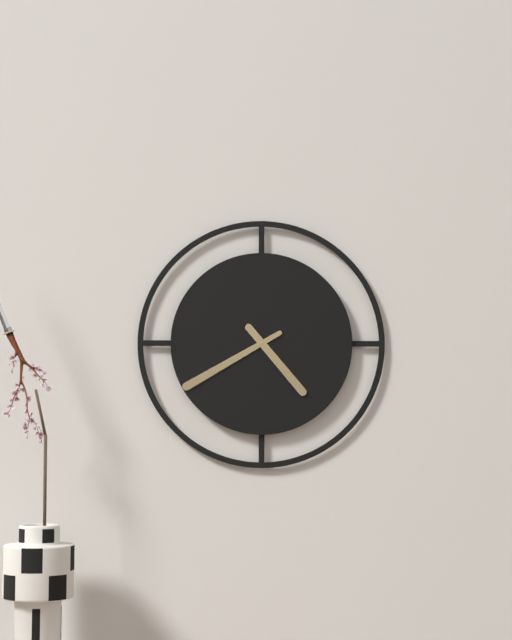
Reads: 4 h 40 min
